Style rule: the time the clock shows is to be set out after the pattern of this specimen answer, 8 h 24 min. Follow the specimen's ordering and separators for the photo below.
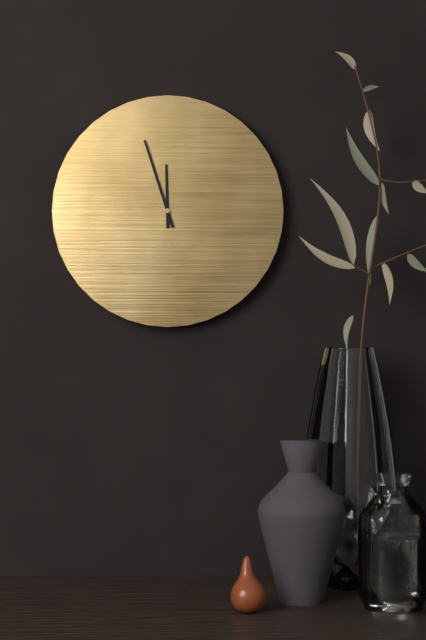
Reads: 11 h 57 min
